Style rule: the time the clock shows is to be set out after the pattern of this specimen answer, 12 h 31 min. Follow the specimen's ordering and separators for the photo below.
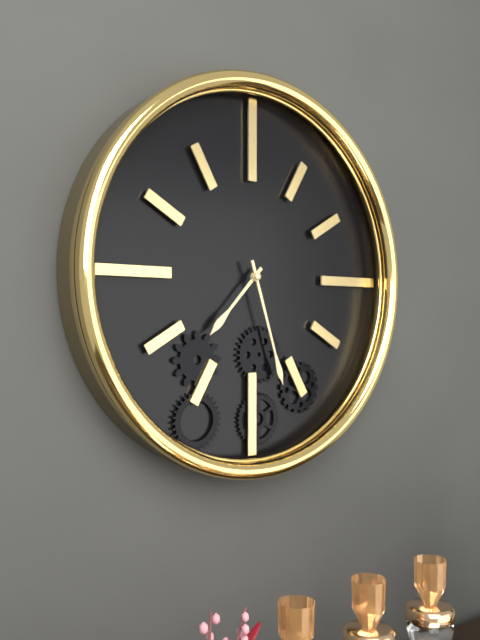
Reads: 7 h 27 min
